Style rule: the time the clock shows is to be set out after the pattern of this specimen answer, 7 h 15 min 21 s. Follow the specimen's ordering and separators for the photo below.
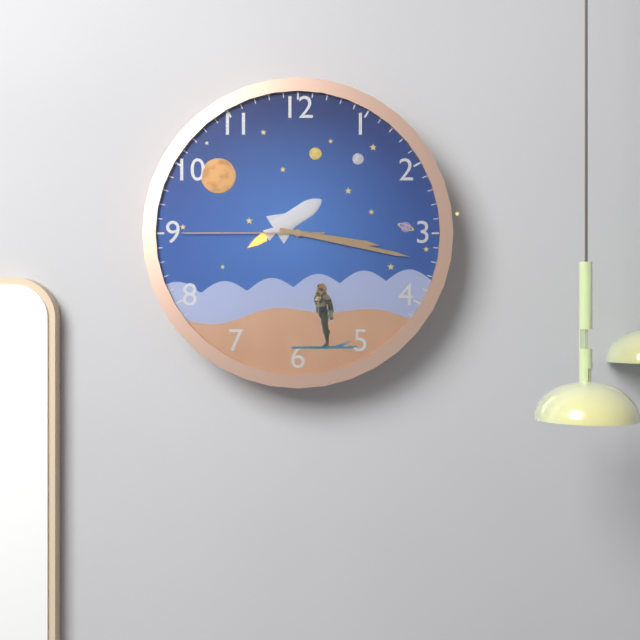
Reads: 3 h 17 min 45 s
